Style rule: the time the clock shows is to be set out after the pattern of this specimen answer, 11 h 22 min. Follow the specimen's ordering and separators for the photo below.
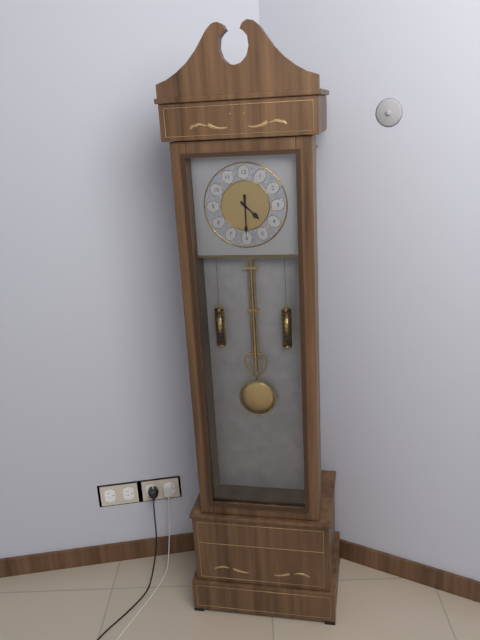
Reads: 4 h 30 min
